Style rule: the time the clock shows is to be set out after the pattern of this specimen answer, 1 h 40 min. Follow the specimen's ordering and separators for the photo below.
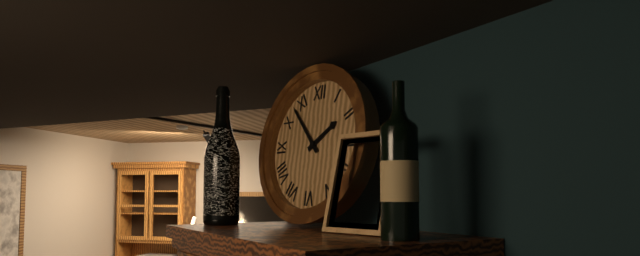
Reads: 1 h 53 min
